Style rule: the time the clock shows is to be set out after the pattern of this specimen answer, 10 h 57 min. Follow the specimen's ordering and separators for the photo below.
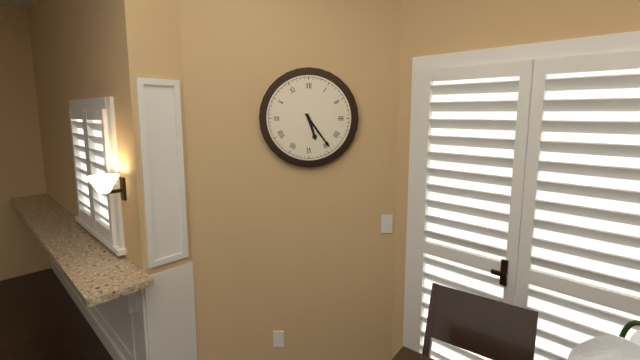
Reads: 5 h 24 min
